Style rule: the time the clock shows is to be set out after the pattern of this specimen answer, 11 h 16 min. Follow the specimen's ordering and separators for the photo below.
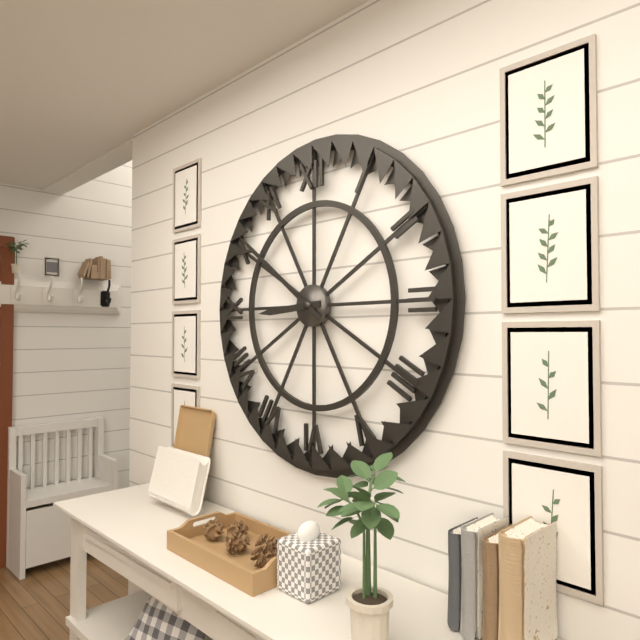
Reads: 8 h 51 min
